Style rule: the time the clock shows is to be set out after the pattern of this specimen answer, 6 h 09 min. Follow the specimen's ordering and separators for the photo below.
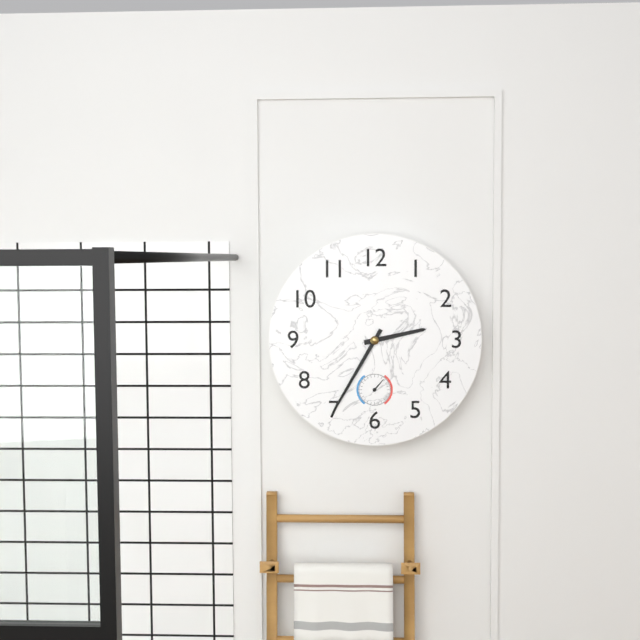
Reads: 2 h 35 min
